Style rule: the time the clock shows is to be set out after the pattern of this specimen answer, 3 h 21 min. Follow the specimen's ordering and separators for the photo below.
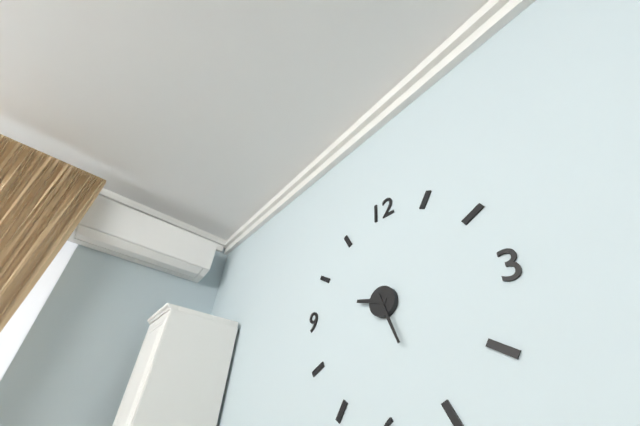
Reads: 9 h 26 min
